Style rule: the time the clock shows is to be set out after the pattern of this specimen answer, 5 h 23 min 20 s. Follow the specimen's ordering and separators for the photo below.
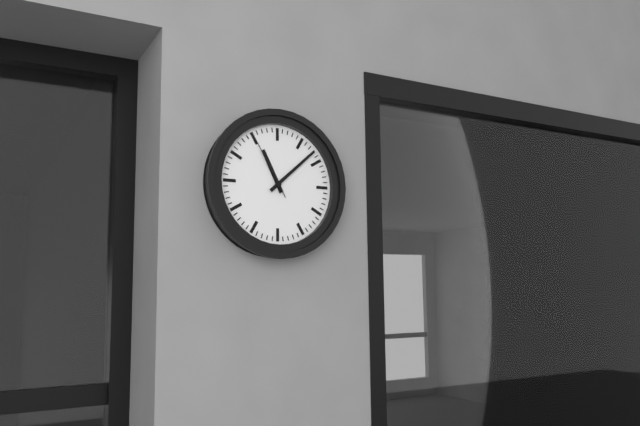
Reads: 11 h 08 min 55 s
